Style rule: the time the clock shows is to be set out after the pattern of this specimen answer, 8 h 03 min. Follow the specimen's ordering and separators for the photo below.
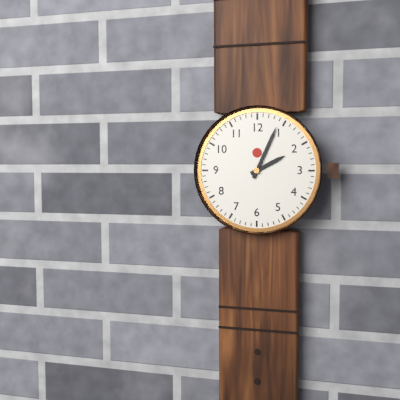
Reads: 2 h 04 min
